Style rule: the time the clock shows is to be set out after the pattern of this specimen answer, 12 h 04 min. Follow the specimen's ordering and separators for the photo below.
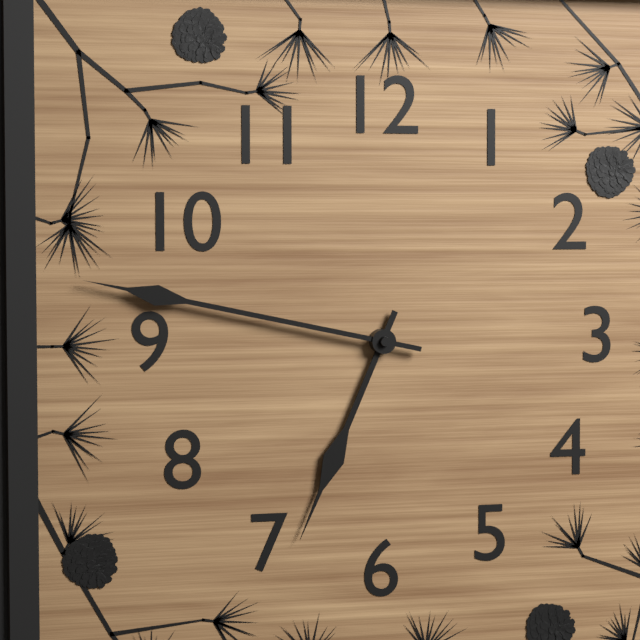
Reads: 6 h 47 min
